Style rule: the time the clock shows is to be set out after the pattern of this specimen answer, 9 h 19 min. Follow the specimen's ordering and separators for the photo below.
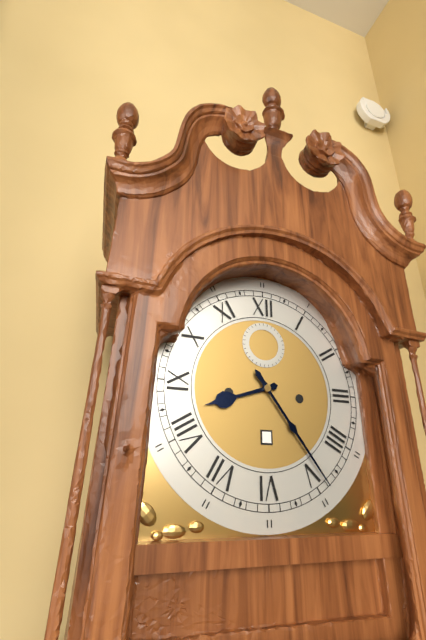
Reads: 8 h 24 min
